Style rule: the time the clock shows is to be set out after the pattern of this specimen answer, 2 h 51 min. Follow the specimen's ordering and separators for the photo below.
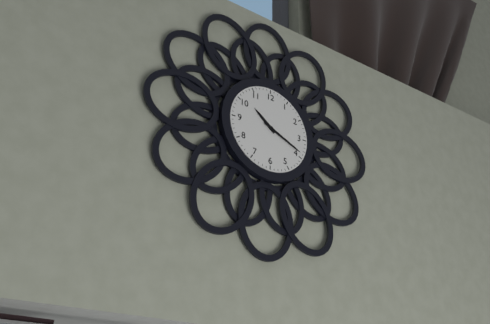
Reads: 10 h 19 min
